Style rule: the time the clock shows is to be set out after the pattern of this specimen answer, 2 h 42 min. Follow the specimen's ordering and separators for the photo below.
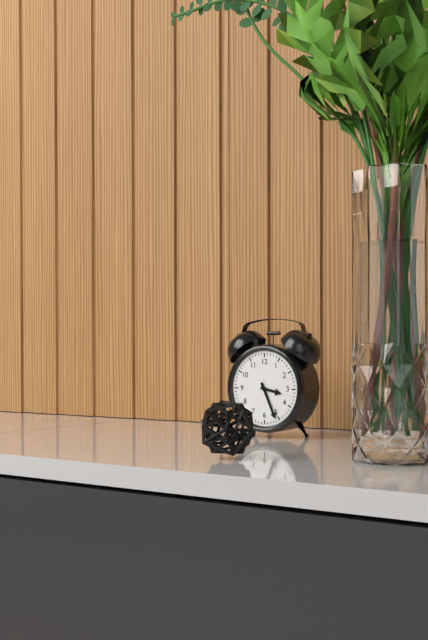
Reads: 3 h 26 min
